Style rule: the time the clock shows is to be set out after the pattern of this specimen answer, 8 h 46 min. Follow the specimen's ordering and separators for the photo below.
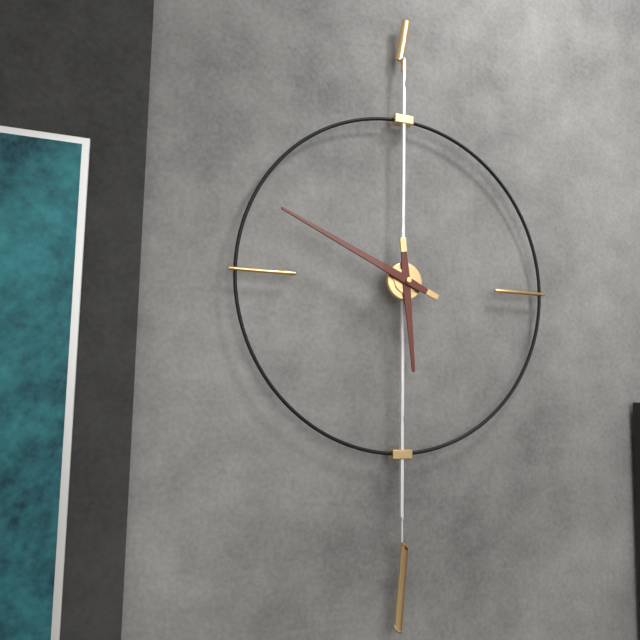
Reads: 5 h 49 min
